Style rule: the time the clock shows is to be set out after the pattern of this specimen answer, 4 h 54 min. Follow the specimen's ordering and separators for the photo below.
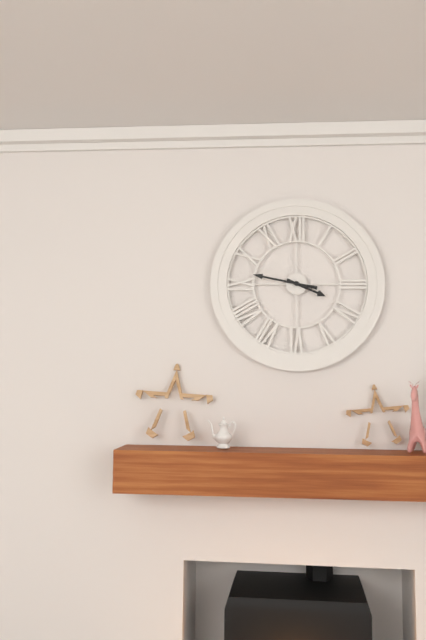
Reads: 3 h 47 min
